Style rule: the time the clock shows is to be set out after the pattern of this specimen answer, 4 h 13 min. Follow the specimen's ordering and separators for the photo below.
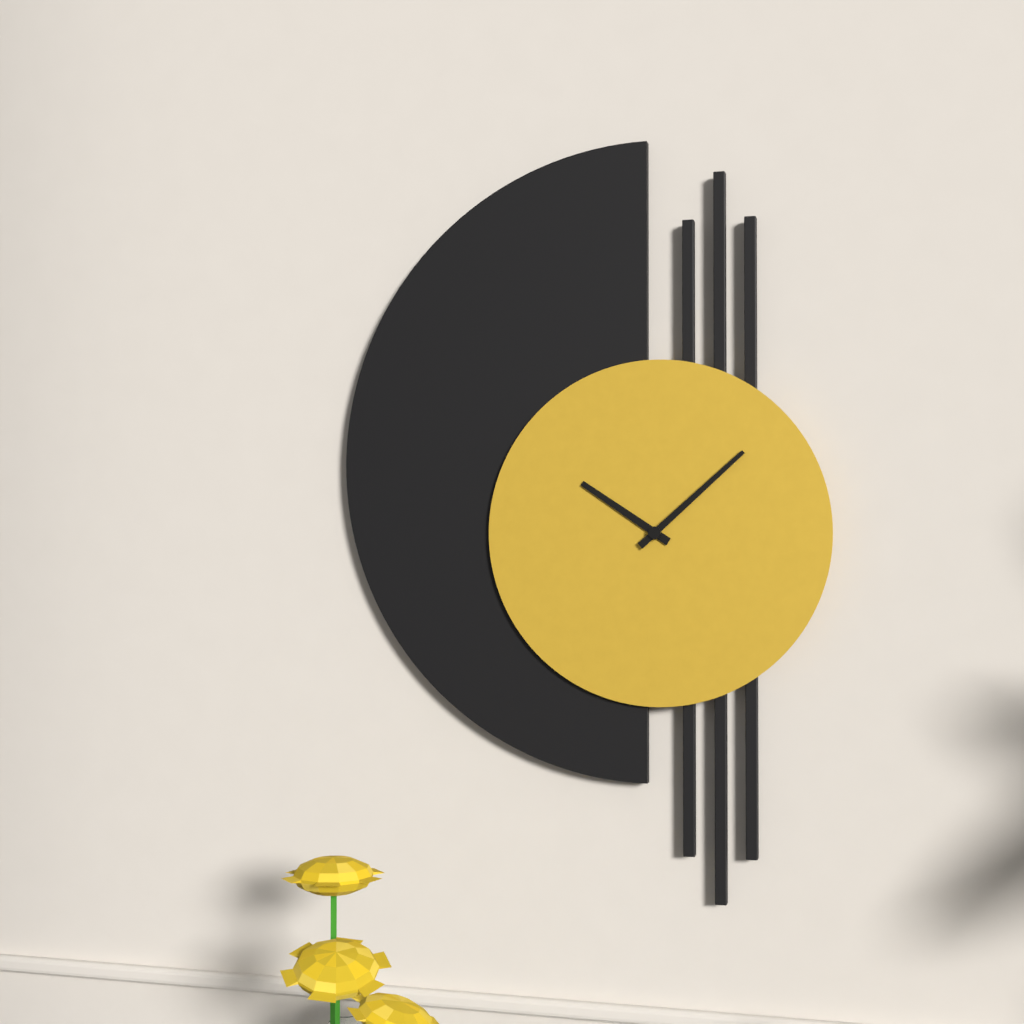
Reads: 10 h 08 min
